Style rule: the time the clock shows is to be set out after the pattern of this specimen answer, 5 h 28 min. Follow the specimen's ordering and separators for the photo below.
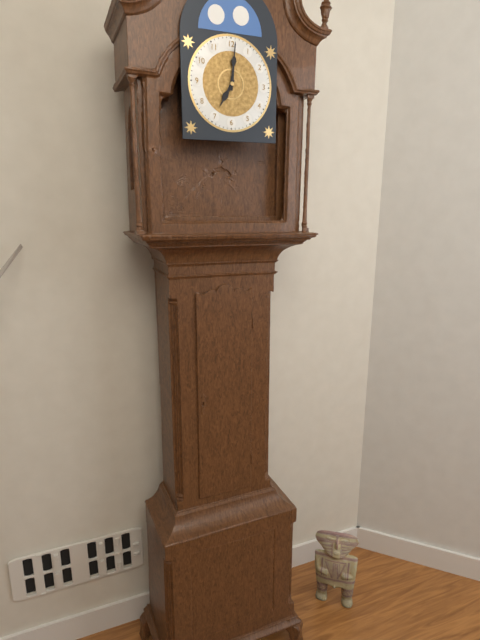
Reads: 7 h 01 min
